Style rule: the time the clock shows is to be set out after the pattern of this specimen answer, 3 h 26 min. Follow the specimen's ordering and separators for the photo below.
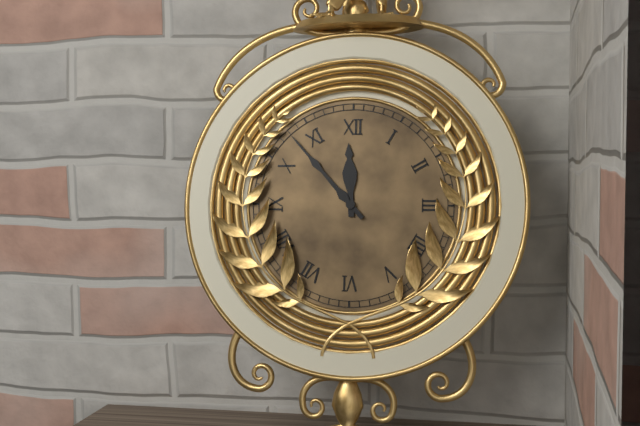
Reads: 11 h 53 min
